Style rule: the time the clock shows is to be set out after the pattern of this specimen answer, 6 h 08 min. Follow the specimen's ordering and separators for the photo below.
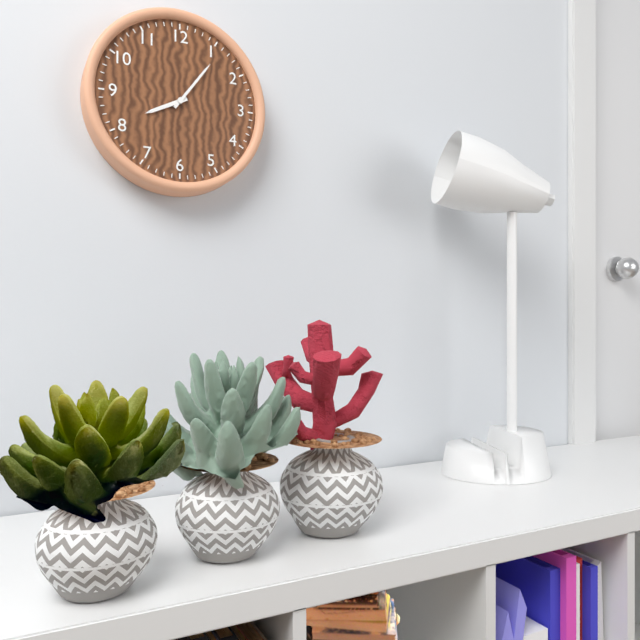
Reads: 8 h 06 min
